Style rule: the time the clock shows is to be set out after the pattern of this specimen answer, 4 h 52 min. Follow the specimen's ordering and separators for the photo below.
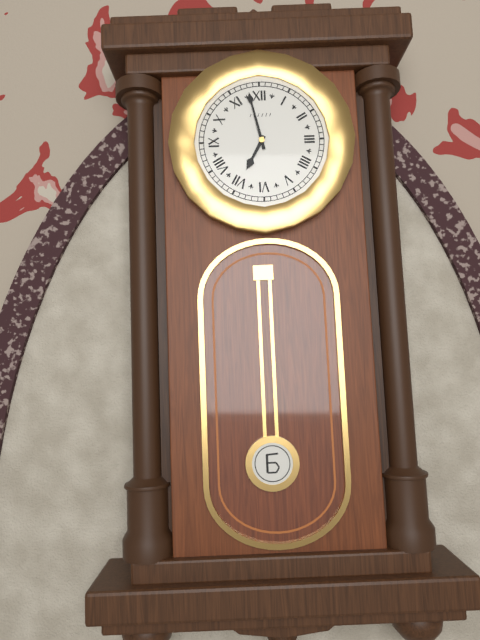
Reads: 6 h 58 min
